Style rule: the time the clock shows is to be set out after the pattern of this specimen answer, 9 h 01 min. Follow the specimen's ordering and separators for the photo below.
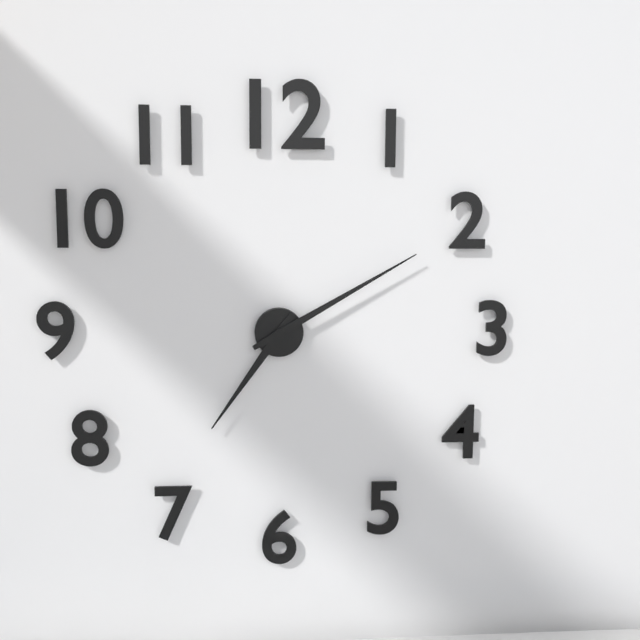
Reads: 7 h 10 min
